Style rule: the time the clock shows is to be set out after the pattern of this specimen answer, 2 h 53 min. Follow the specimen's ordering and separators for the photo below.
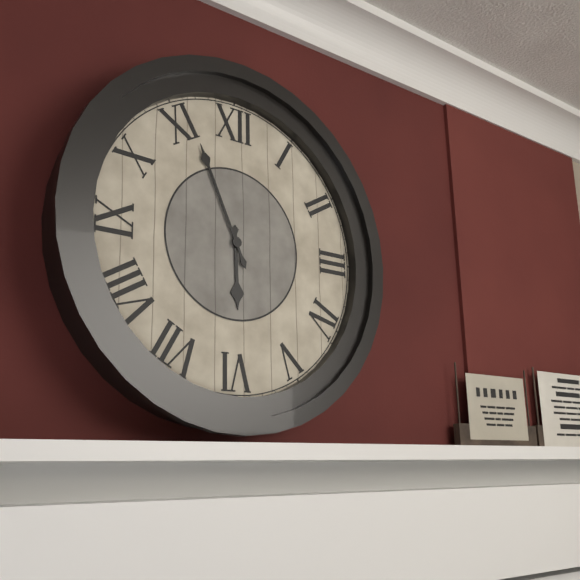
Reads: 5 h 56 min
